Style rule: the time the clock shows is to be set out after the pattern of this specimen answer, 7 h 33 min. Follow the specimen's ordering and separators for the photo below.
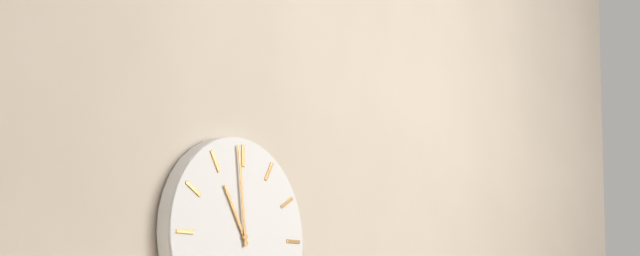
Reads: 10 h 59 min
